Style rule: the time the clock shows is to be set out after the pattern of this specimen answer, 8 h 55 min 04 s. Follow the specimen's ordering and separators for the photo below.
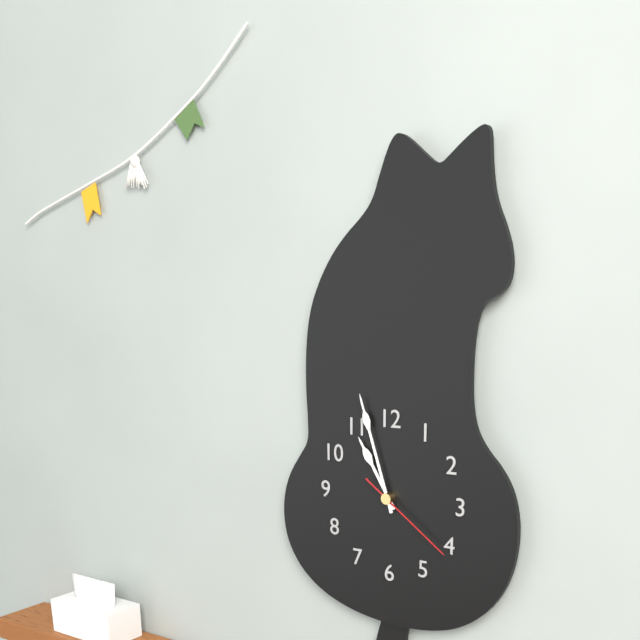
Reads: 10 h 57 min 21 s
